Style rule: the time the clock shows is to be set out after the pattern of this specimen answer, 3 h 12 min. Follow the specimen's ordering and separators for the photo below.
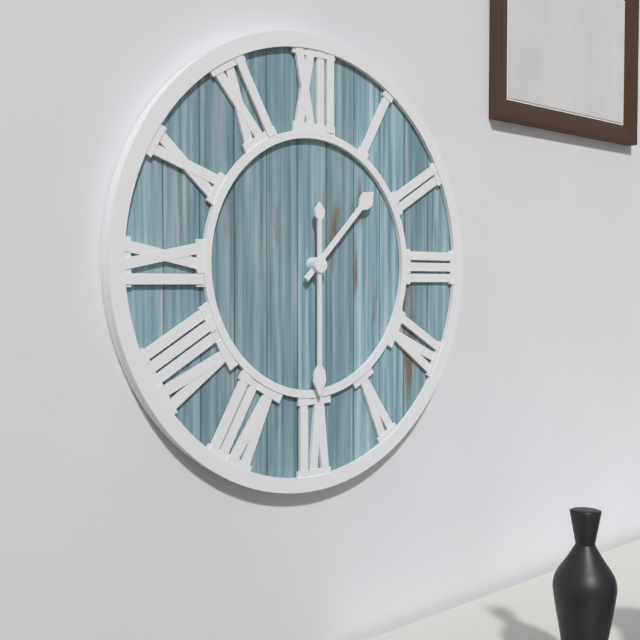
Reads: 1 h 30 min
